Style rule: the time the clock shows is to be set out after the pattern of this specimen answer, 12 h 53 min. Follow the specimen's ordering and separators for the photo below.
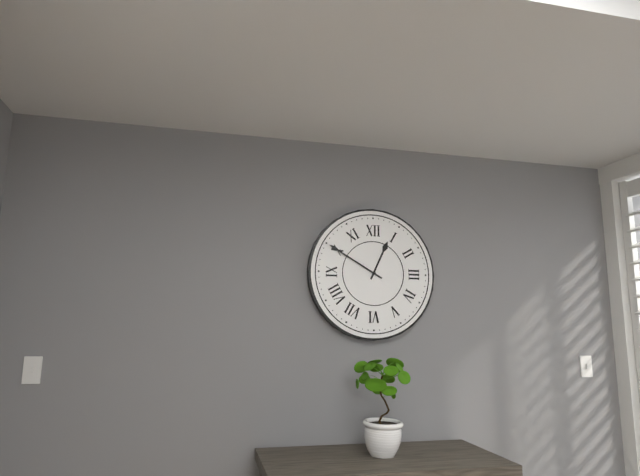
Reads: 12 h 50 min
